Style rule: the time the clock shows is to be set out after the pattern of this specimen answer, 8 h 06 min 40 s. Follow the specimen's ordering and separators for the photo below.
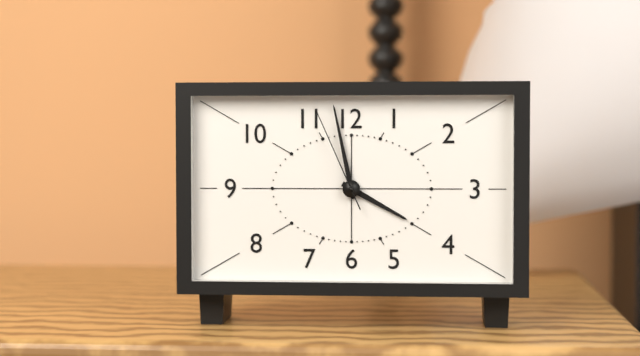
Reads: 3 h 58 min 56 s
